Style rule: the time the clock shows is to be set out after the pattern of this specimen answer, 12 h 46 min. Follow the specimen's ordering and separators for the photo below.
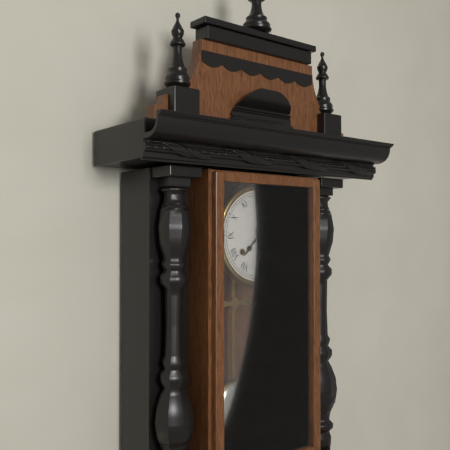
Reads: 7 h 26 min
